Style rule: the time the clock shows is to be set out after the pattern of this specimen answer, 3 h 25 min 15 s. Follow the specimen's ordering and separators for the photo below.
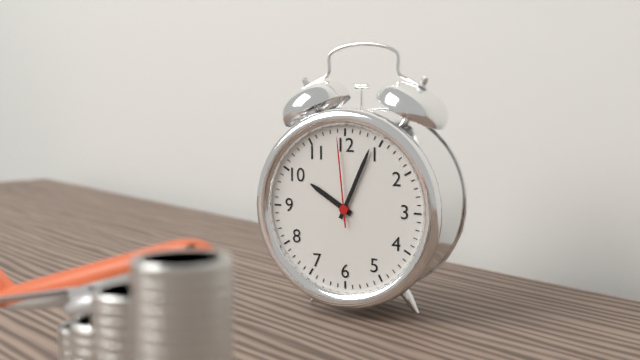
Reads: 10 h 04 min 59 s
